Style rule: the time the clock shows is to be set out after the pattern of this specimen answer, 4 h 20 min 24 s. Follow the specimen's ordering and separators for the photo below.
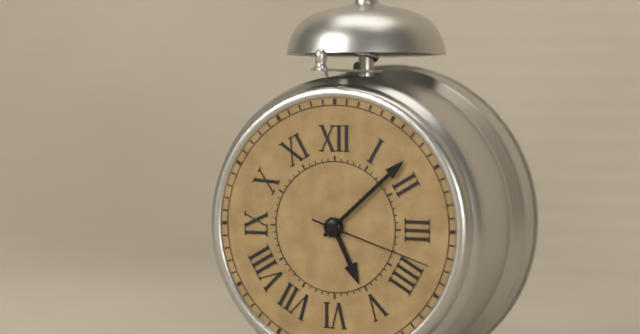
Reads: 5 h 08 min 18 s
